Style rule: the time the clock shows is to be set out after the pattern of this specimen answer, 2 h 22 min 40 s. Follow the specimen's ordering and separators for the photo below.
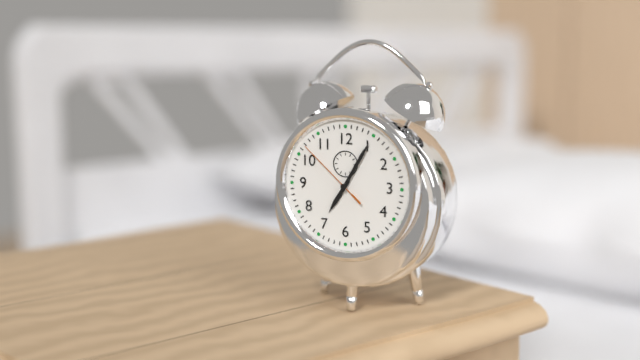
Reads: 7 h 05 min 52 s
